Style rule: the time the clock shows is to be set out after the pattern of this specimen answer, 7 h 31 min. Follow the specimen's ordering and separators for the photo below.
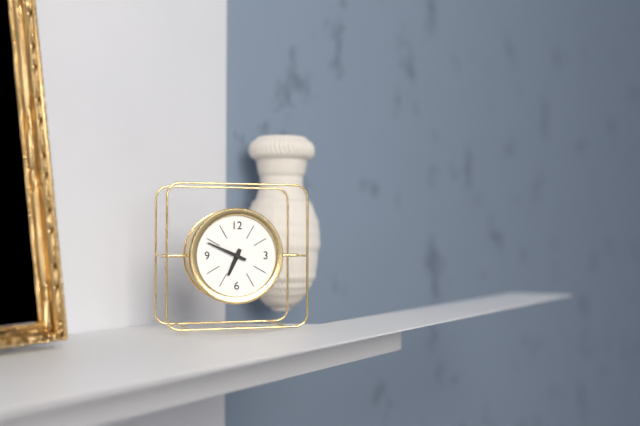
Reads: 6 h 49 min
